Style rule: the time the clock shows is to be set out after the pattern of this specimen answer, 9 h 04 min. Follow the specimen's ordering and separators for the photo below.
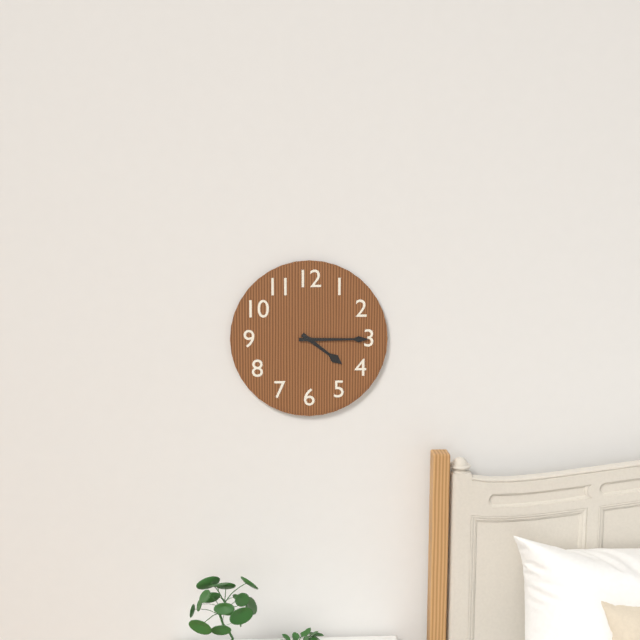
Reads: 4 h 15 min
